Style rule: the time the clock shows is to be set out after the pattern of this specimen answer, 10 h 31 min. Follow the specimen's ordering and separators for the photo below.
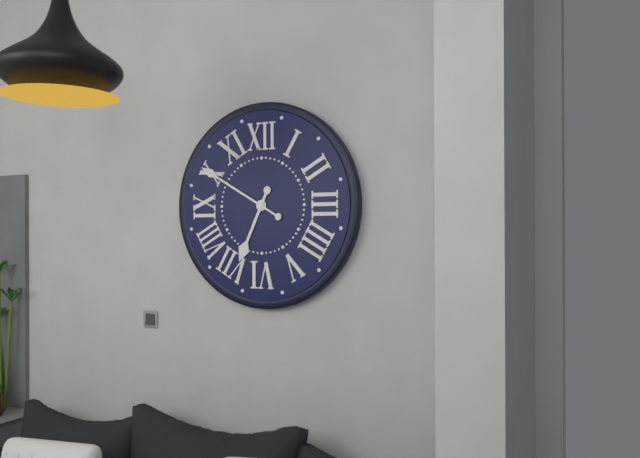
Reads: 6 h 50 min
